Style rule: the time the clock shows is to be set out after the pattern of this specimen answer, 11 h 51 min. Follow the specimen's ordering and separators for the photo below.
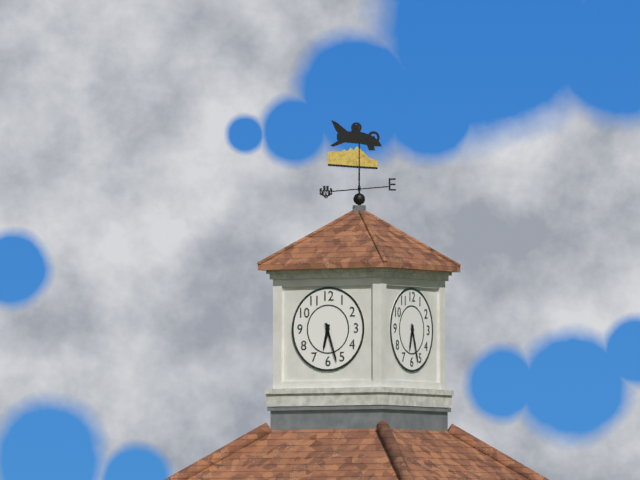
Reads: 6 h 27 min
